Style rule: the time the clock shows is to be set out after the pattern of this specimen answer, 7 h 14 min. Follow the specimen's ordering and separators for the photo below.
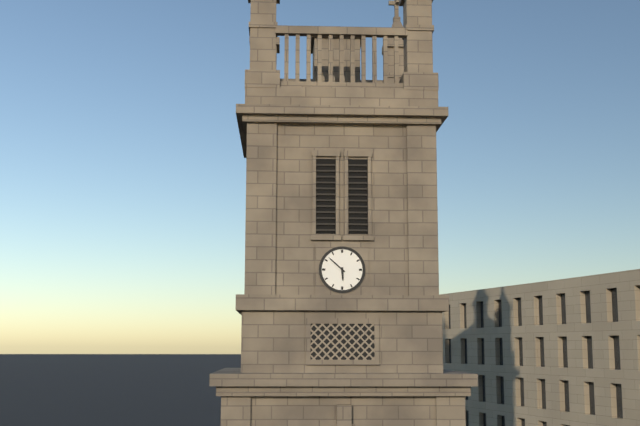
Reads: 5 h 52 min
